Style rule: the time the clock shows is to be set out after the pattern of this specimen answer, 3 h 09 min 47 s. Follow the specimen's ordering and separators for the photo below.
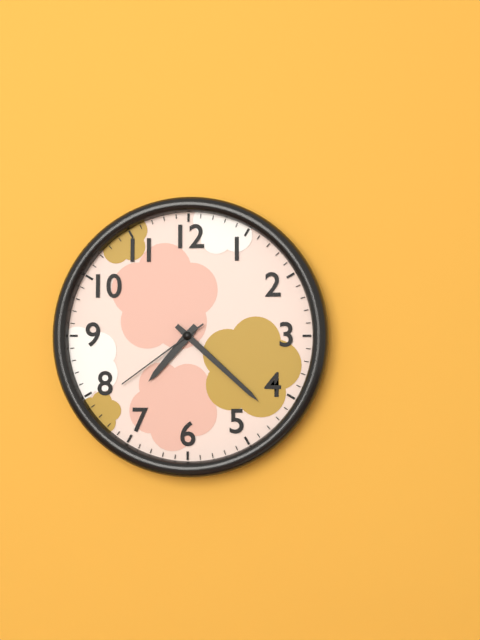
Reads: 7 h 22 min 39 s
